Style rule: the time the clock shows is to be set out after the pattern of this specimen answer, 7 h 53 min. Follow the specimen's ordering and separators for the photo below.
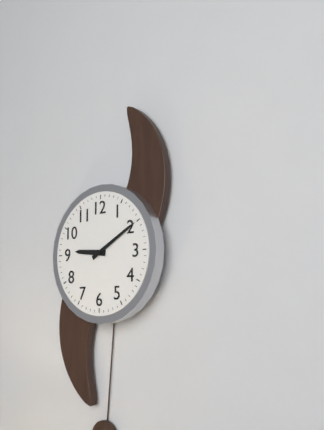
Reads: 9 h 10 min
